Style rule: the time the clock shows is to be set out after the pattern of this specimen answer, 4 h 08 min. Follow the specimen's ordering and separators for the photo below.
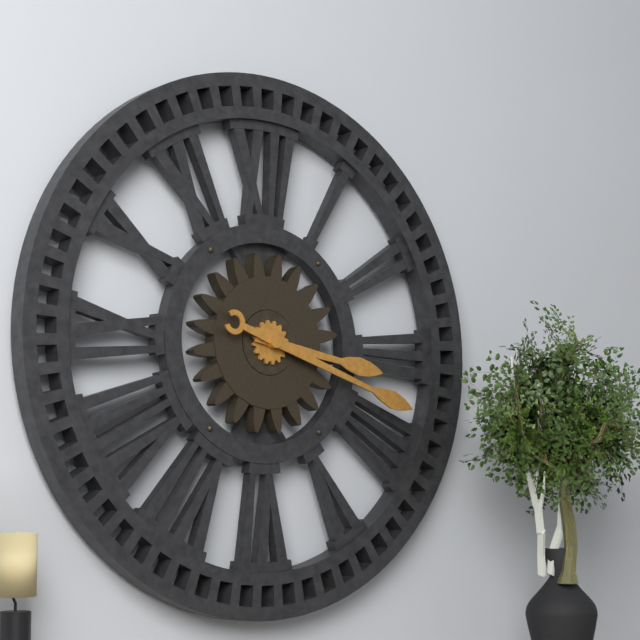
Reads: 3 h 18 min
